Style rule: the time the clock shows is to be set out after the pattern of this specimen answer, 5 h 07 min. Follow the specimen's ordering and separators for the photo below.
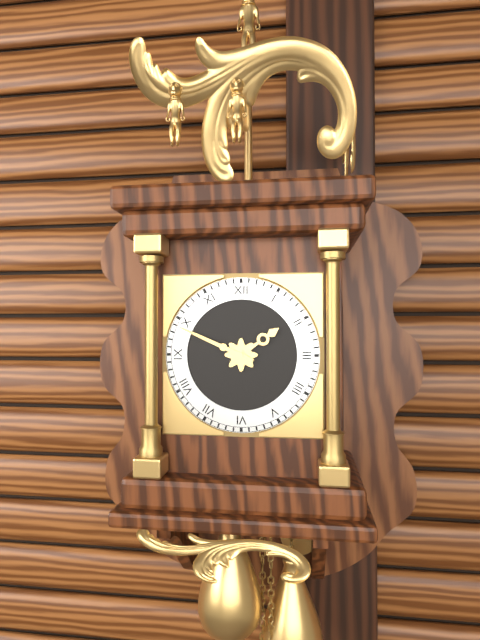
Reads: 1 h 49 min
